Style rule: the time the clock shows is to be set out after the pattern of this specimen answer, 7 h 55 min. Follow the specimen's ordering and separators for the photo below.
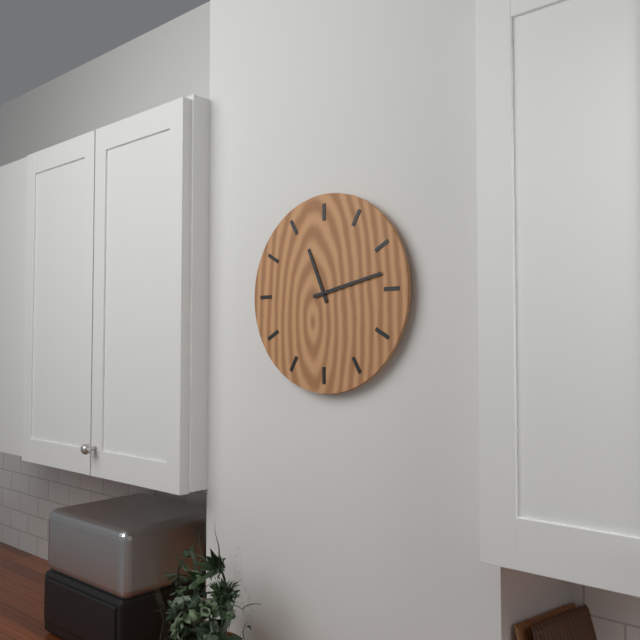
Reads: 11 h 13 min
